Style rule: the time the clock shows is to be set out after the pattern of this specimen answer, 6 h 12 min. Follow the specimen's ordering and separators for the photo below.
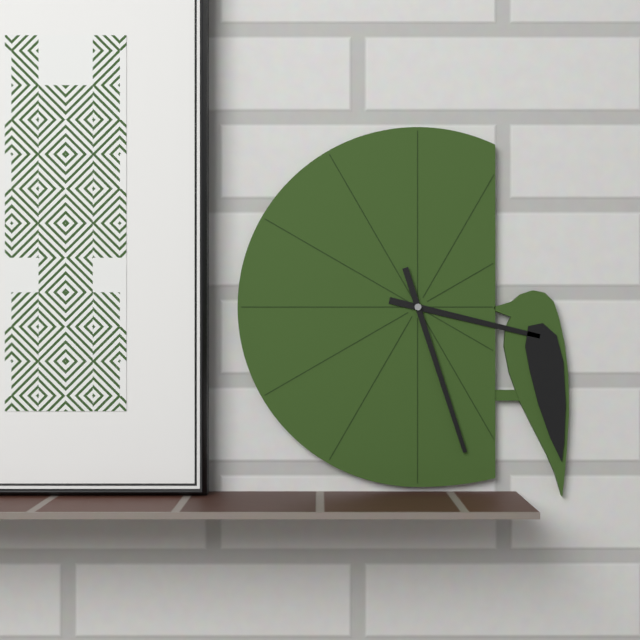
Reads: 3 h 27 min
